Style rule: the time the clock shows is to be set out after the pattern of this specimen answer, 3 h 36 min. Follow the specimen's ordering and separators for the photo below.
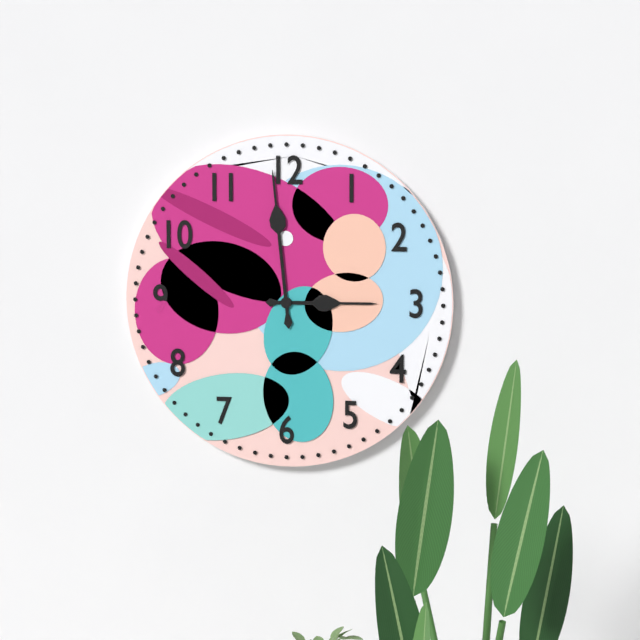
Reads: 2 h 59 min
